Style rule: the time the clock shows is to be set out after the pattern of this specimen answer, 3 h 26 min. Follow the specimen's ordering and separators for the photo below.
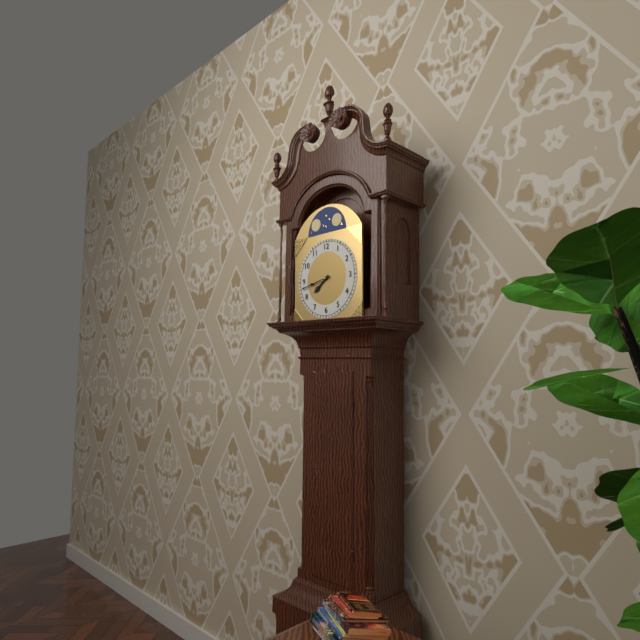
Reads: 7 h 43 min
